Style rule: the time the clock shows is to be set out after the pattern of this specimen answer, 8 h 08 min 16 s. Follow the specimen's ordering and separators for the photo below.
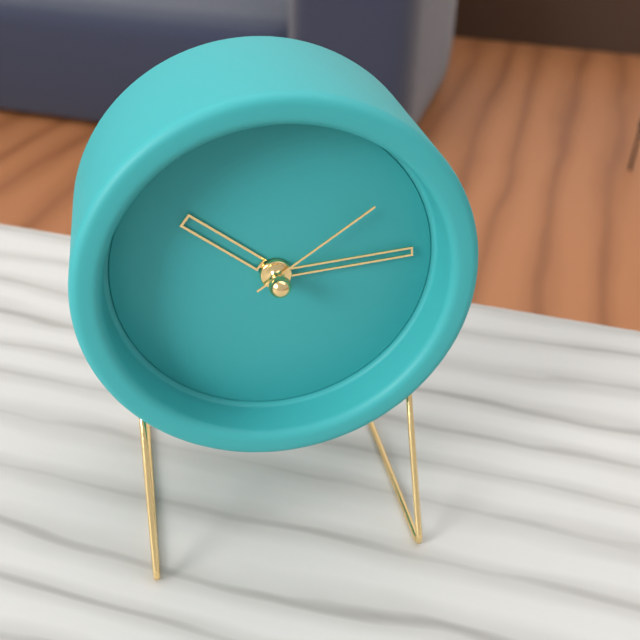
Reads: 10 h 14 min 09 s
